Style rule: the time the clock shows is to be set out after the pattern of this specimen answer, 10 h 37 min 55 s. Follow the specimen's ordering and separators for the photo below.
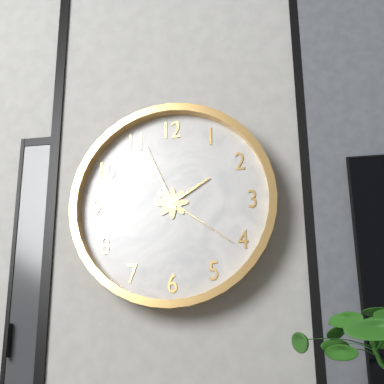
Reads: 1 h 56 min 21 s
